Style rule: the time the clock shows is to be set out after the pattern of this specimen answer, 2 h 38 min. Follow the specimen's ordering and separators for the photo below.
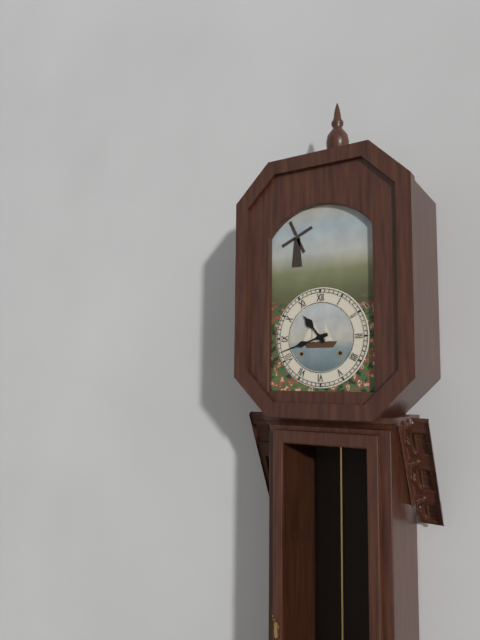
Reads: 10 h 42 min
